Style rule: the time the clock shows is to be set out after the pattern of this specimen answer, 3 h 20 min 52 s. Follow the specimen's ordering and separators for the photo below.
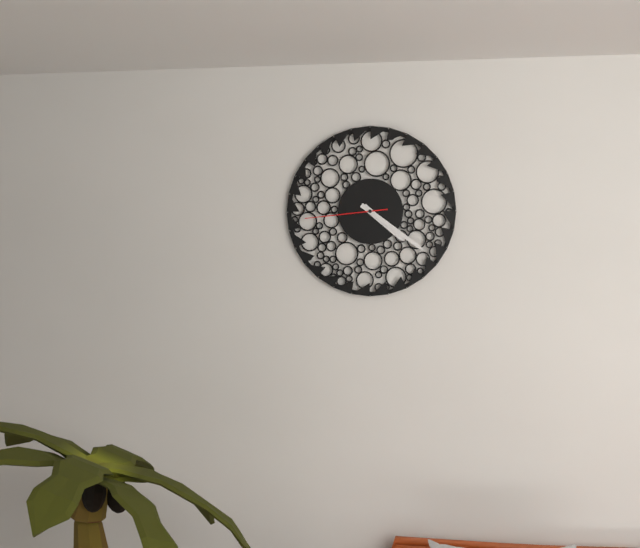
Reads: 4 h 21 min 44 s
